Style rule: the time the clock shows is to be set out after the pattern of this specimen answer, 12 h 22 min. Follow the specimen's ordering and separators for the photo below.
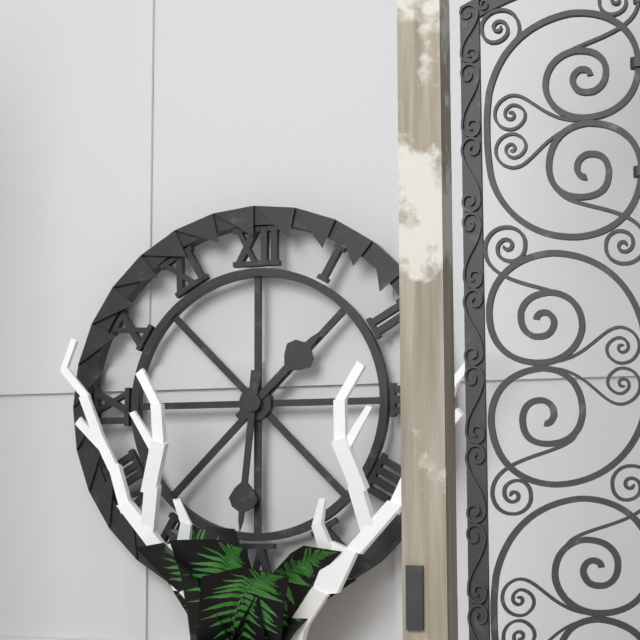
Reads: 1 h 31 min
